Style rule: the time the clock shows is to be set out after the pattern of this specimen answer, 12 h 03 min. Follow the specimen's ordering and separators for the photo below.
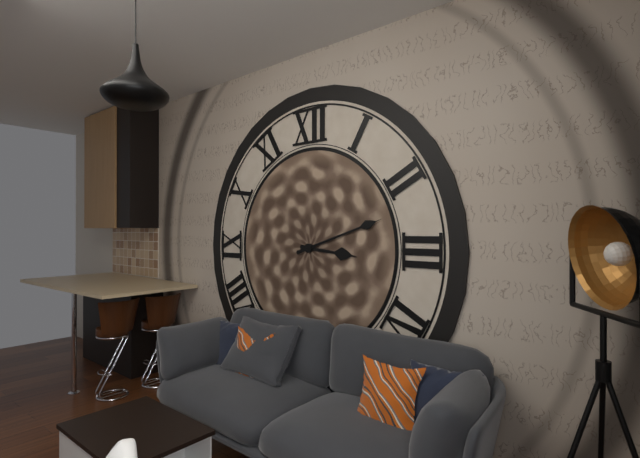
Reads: 3 h 12 min
